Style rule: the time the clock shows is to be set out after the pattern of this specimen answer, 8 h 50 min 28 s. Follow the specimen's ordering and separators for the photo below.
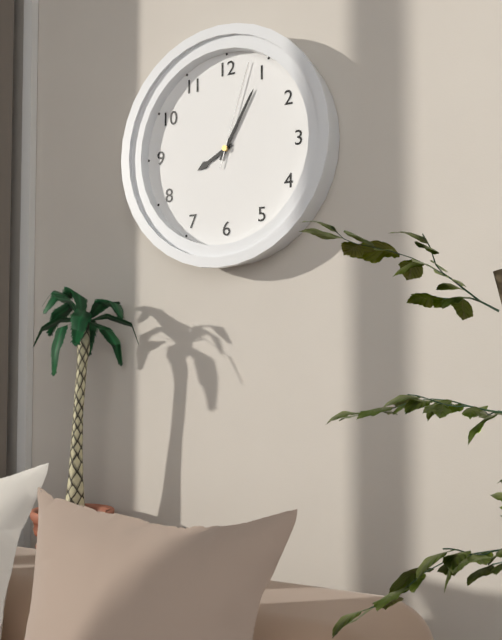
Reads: 8 h 05 min 03 s
